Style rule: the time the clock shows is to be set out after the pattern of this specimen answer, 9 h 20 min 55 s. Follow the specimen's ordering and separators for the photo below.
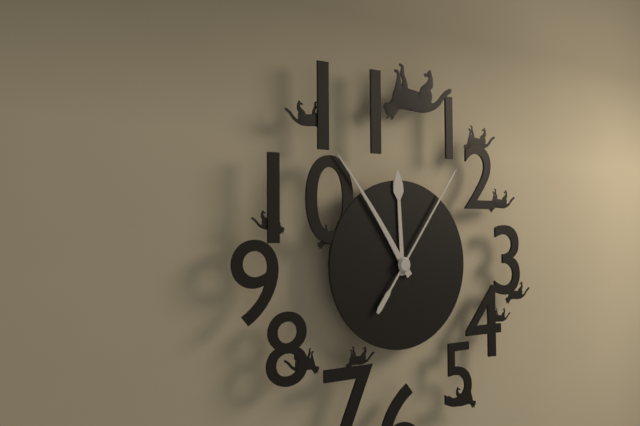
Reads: 11 h 54 min 06 s
